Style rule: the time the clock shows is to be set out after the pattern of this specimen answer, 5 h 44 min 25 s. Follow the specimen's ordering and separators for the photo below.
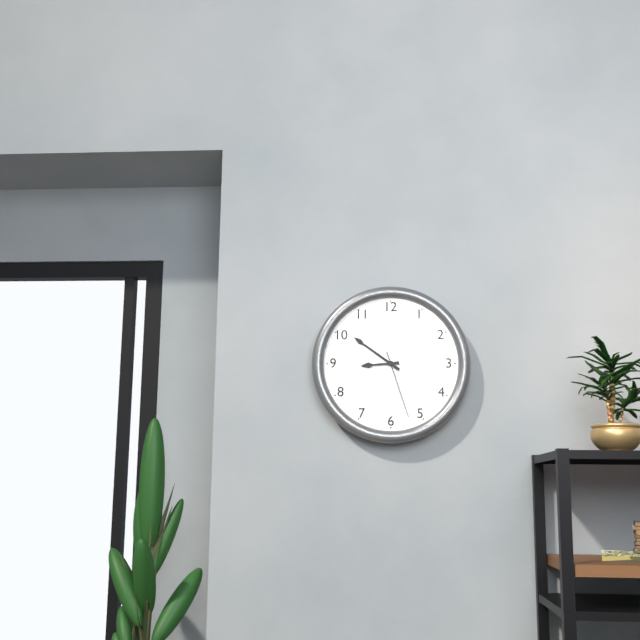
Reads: 8 h 51 min 27 s
